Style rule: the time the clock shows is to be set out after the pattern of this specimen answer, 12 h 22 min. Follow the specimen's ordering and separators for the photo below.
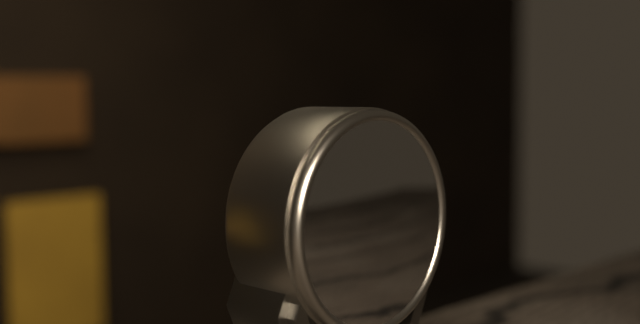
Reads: 7 h 49 min
